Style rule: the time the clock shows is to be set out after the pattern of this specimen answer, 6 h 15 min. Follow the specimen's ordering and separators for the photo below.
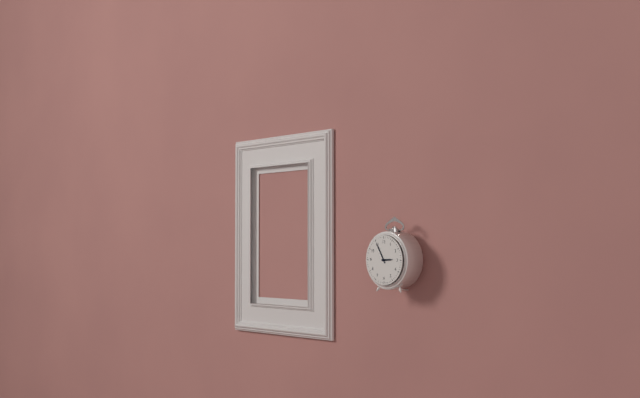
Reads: 2 h 55 min
